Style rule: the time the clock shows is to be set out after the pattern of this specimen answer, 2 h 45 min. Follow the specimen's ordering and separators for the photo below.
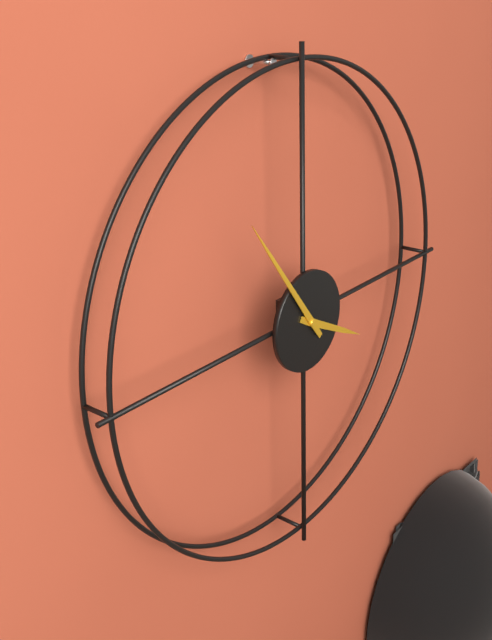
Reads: 3 h 54 min
